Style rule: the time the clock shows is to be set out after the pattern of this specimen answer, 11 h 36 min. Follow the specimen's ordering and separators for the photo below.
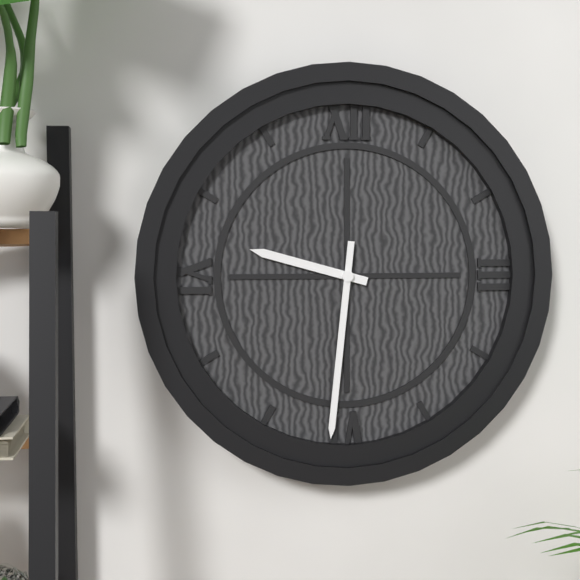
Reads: 9 h 31 min
